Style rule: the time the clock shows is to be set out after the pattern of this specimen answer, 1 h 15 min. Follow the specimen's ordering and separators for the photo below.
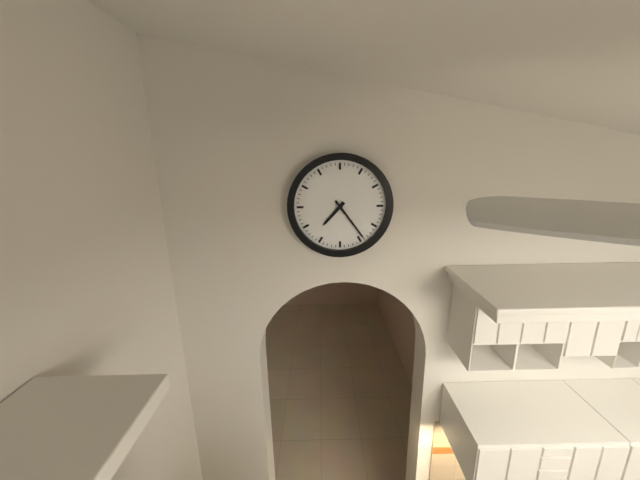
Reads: 7 h 24 min
